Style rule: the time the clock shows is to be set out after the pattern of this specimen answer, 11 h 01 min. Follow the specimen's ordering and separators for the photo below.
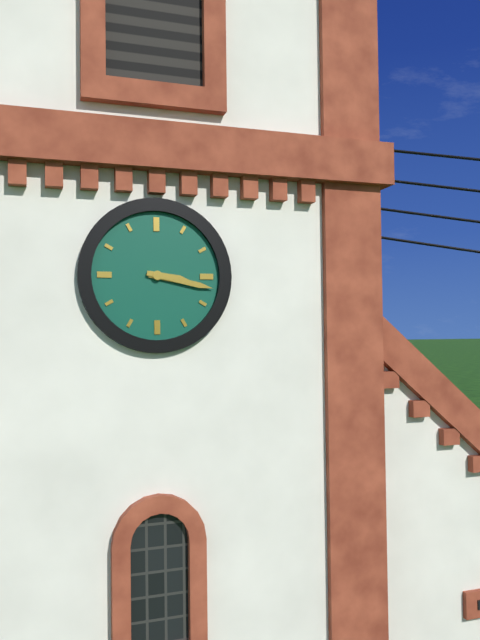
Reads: 3 h 17 min
